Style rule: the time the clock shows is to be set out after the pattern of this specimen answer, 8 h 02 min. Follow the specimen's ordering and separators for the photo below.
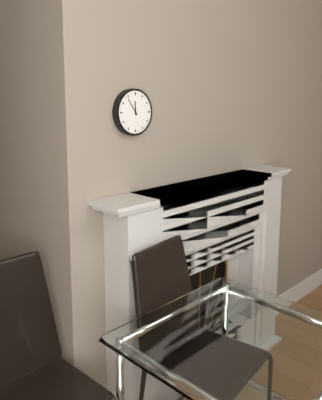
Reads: 11 h 54 min
